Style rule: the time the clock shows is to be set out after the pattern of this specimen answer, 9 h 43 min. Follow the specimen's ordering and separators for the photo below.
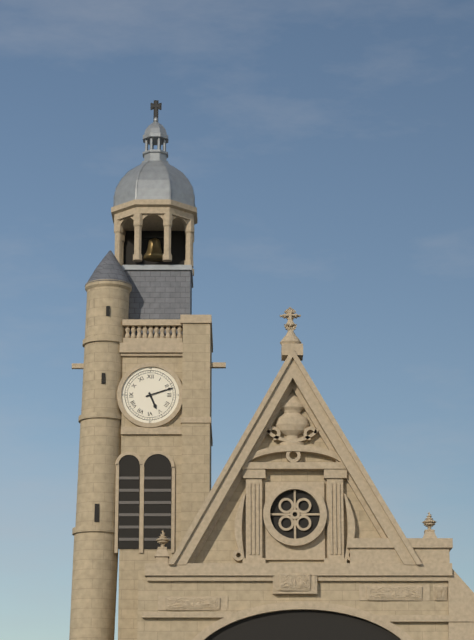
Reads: 5 h 12 min
